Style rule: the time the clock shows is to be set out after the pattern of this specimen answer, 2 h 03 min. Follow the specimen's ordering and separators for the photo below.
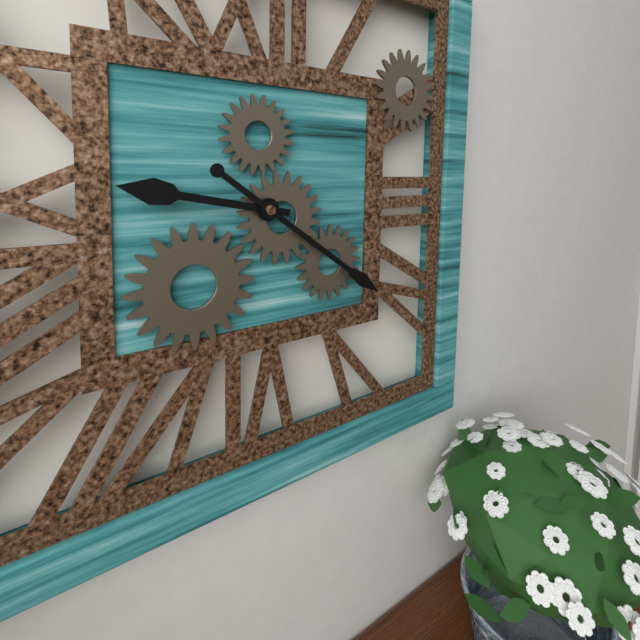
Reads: 9 h 21 min
